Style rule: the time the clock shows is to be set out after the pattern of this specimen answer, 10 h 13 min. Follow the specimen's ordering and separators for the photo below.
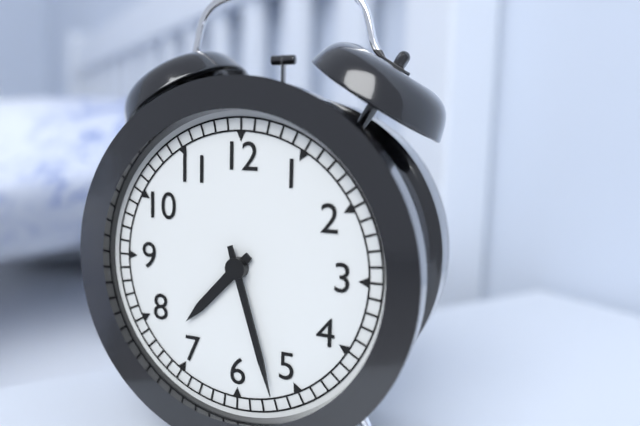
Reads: 7 h 27 min
